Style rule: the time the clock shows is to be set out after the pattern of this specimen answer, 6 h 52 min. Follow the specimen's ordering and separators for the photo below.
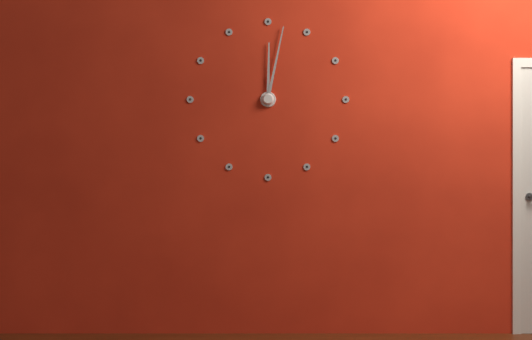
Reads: 12 h 02 min
